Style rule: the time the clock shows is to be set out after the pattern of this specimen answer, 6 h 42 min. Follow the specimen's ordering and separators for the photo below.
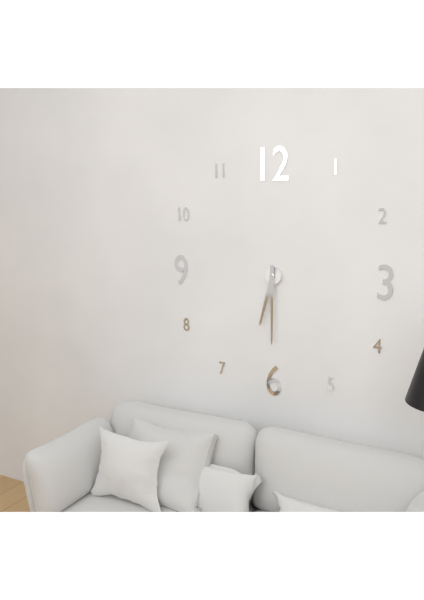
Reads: 6 h 30 min
